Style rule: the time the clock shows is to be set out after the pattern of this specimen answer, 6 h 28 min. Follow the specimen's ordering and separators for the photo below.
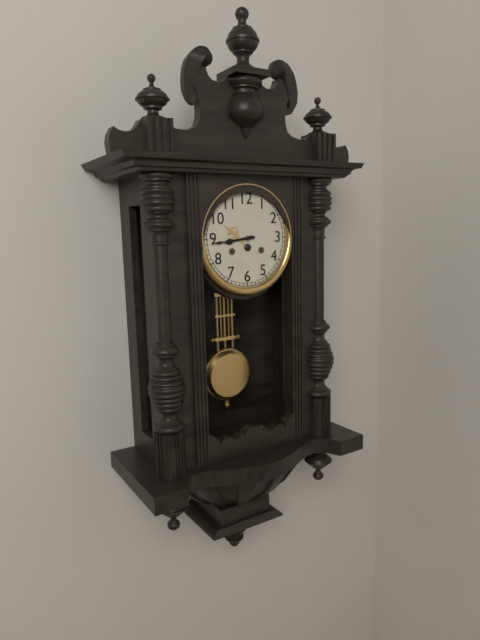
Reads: 8 h 44 min
